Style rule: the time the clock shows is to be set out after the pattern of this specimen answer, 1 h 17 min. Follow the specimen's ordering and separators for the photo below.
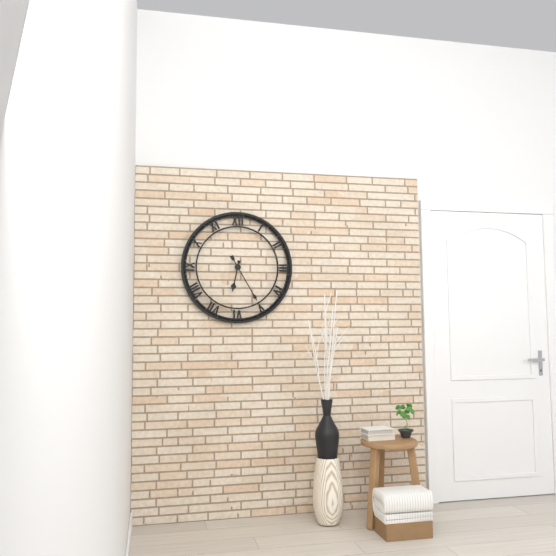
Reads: 6 h 25 min
